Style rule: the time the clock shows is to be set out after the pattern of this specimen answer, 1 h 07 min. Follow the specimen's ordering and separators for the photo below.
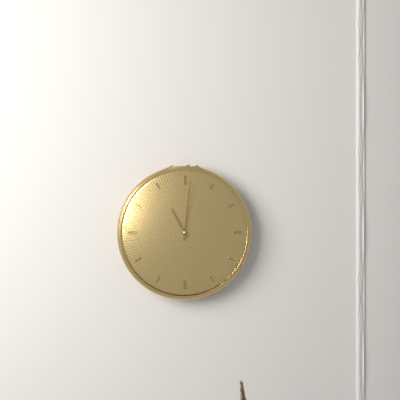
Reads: 11 h 01 min
